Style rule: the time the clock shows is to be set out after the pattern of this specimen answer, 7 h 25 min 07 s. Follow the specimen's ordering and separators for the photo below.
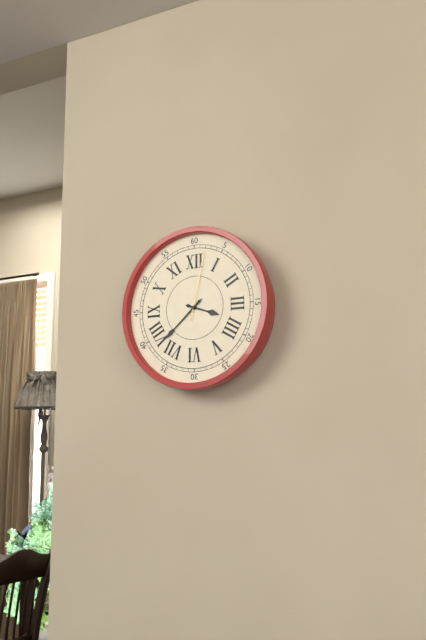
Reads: 3 h 38 min 02 s
